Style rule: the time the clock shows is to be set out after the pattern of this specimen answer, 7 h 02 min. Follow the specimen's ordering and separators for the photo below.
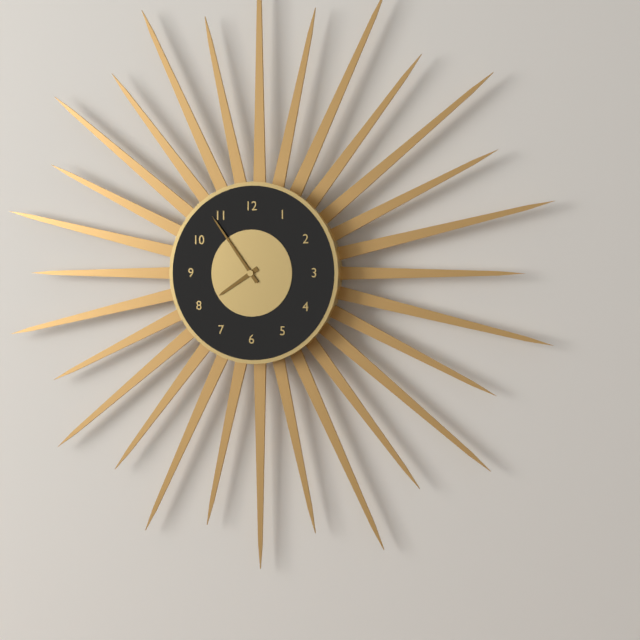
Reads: 7 h 54 min
